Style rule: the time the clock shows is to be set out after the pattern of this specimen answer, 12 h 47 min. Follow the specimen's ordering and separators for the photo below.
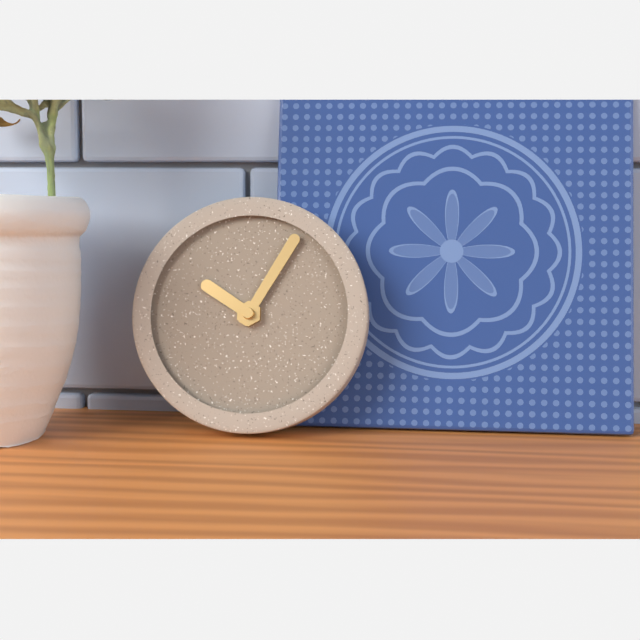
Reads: 10 h 05 min
